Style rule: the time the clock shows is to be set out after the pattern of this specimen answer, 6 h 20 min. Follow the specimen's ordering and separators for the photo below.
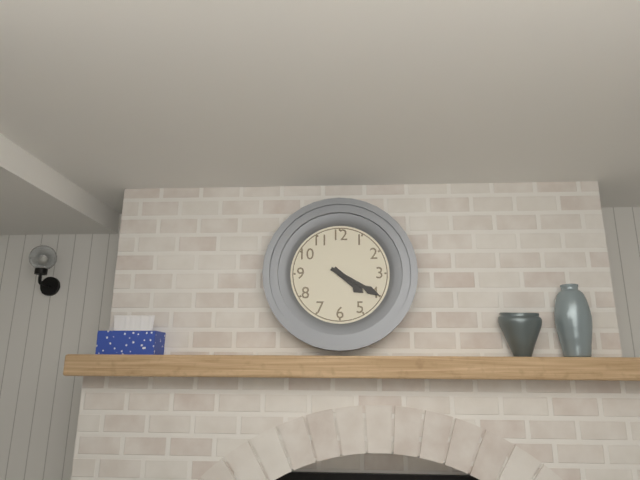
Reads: 4 h 20 min
